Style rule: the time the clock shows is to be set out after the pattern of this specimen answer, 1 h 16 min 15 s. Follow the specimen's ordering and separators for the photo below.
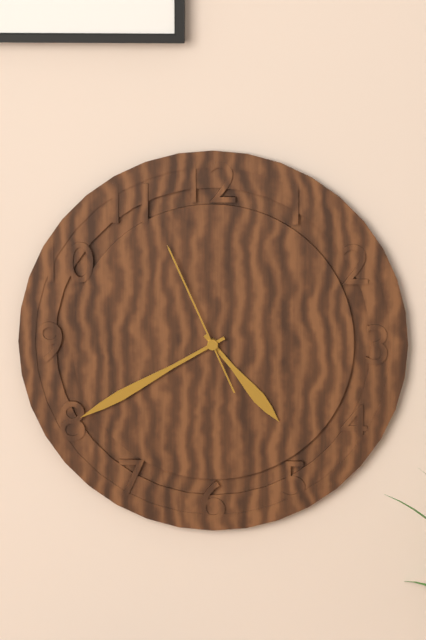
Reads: 4 h 40 min 56 s
